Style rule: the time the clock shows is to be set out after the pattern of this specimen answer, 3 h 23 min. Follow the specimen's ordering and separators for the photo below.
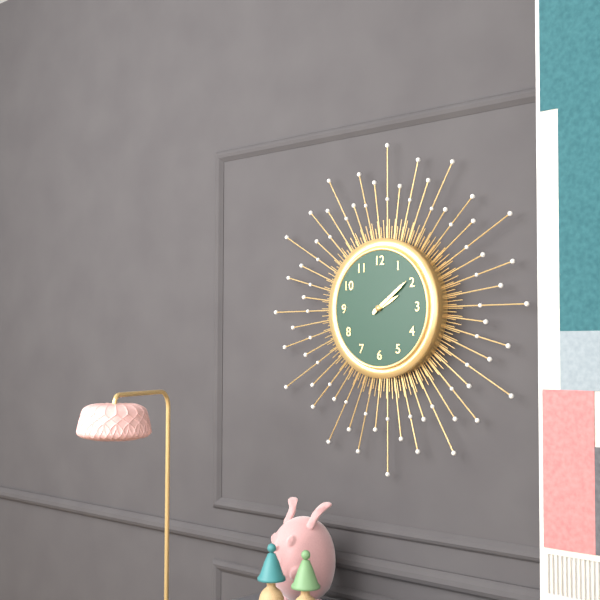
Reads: 2 h 09 min
